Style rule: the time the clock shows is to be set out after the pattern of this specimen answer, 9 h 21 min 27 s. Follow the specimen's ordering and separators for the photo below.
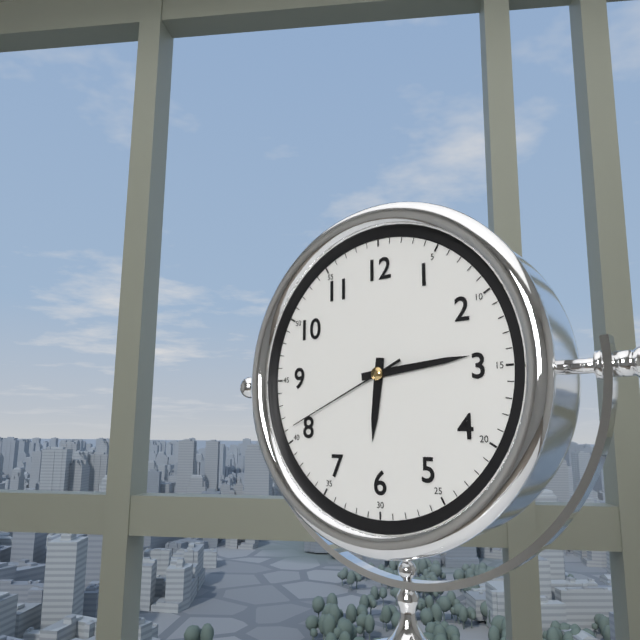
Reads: 6 h 14 min 41 s
